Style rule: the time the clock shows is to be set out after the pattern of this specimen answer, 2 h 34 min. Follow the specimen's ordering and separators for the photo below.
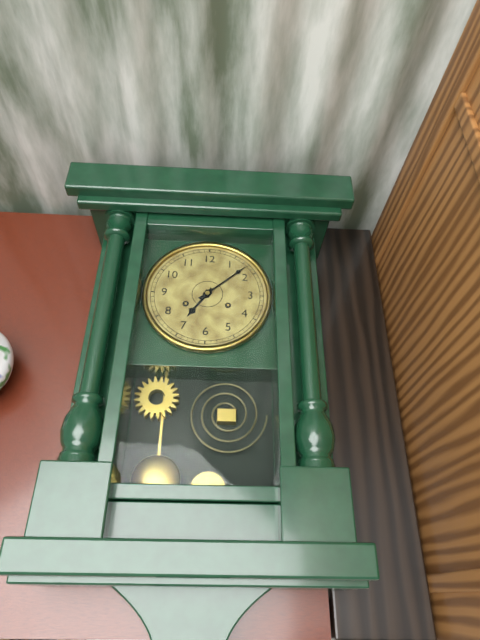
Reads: 7 h 08 min
